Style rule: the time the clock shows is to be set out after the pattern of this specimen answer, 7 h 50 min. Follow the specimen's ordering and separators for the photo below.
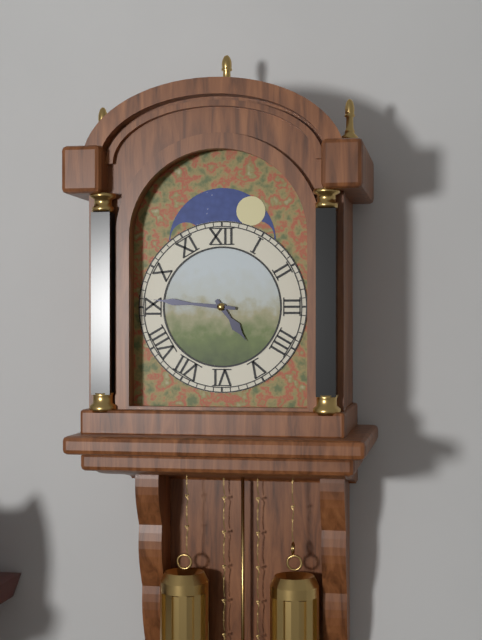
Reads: 4 h 46 min
